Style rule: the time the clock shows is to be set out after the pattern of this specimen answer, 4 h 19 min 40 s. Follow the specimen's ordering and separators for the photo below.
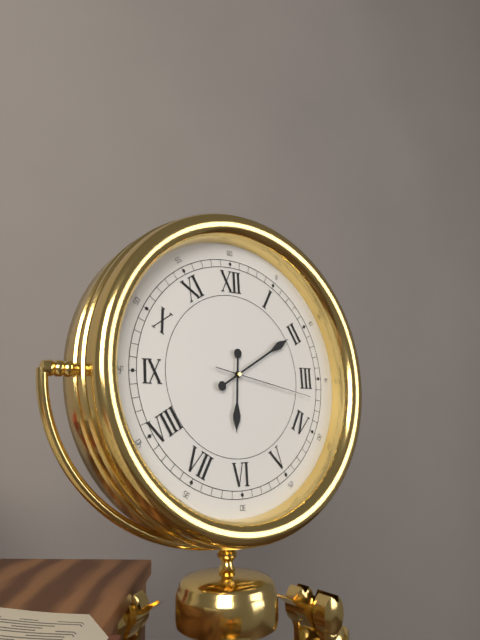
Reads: 6 h 10 min 17 s
